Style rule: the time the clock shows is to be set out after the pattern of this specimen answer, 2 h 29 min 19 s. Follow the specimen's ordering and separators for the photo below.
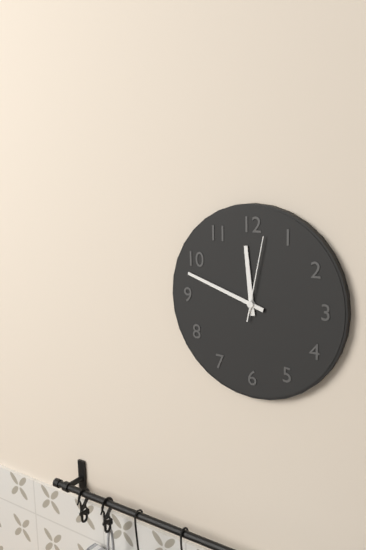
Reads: 11 h 48 min 02 s
